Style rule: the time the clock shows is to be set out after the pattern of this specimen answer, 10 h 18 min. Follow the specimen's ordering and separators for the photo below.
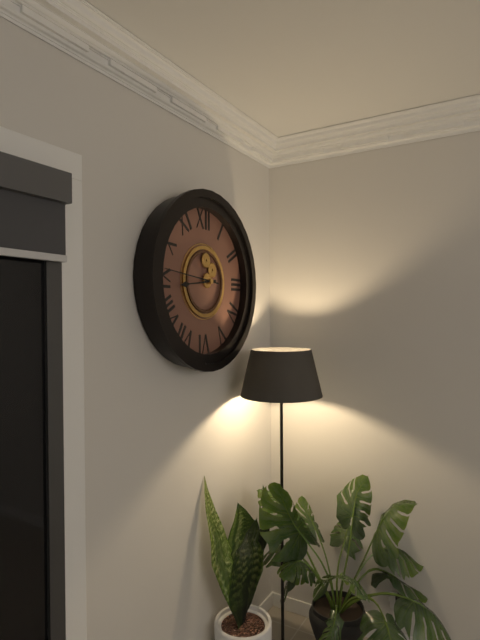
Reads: 8 h 46 min
